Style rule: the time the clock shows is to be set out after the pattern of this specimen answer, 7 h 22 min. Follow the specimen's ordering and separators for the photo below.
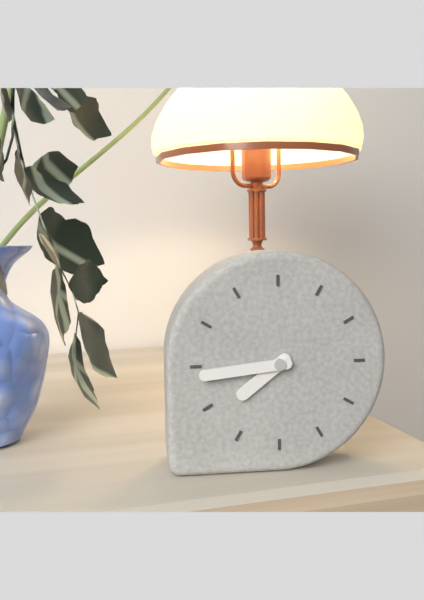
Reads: 7 h 44 min
